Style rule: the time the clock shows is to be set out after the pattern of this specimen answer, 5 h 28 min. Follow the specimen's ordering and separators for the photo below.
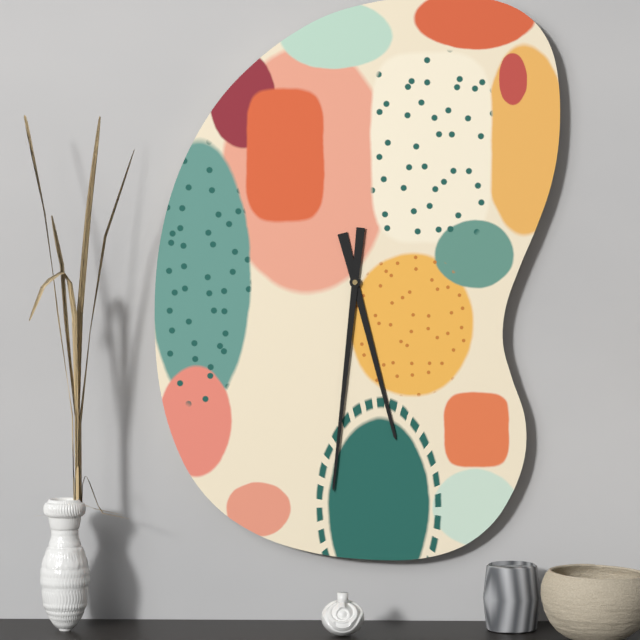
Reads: 5 h 31 min
